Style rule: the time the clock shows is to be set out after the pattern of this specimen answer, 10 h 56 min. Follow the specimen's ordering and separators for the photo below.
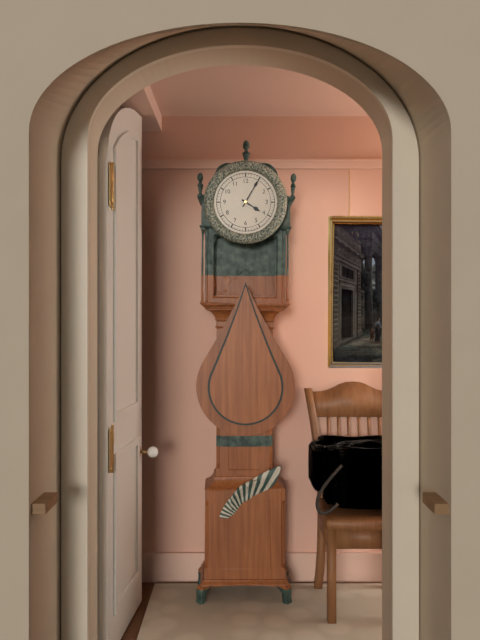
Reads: 4 h 05 min
